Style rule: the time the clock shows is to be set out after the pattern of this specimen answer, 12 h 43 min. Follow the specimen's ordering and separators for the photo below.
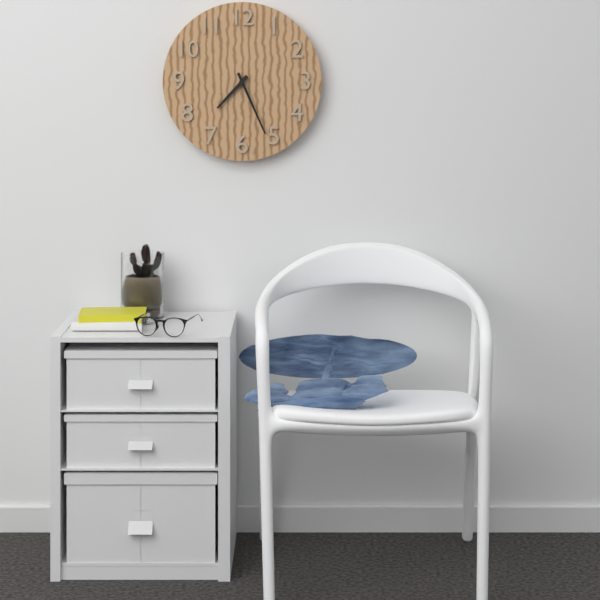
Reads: 7 h 26 min
